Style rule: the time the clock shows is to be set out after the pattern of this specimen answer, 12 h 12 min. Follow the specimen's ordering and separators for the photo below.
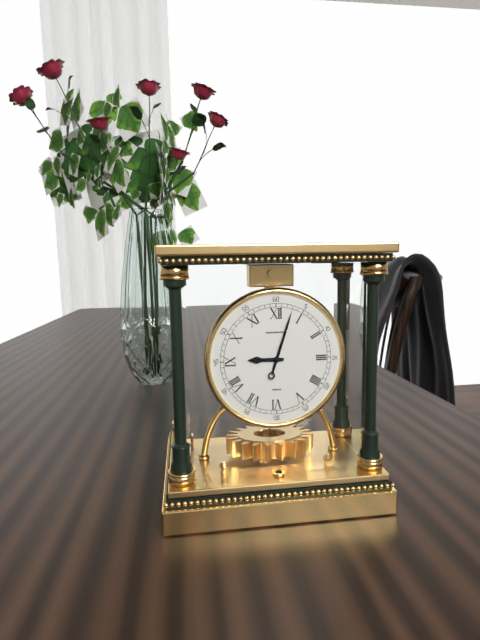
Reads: 9 h 03 min
